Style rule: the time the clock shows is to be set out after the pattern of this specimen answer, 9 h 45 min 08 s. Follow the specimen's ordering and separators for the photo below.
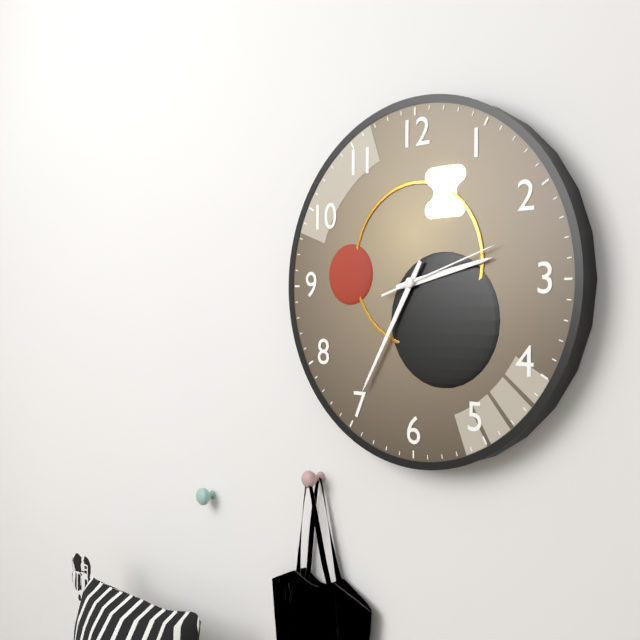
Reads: 2 h 35 min 12 s
